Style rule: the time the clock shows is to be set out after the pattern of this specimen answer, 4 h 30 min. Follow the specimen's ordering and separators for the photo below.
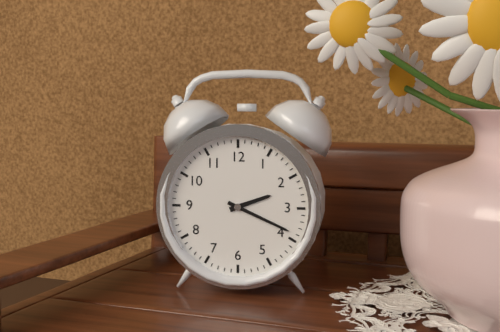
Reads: 2 h 19 min
